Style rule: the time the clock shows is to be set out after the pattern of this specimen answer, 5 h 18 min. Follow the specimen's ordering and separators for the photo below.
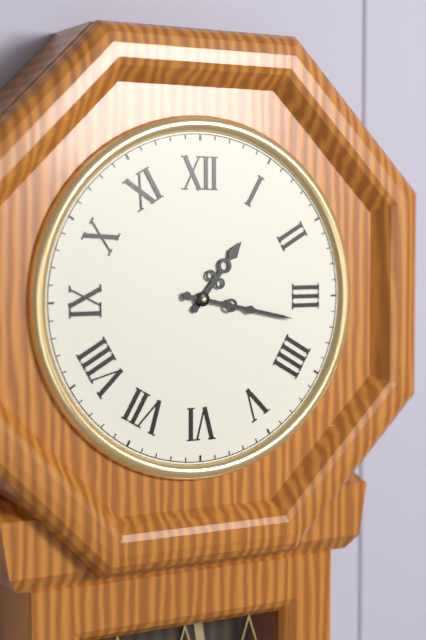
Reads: 1 h 17 min
